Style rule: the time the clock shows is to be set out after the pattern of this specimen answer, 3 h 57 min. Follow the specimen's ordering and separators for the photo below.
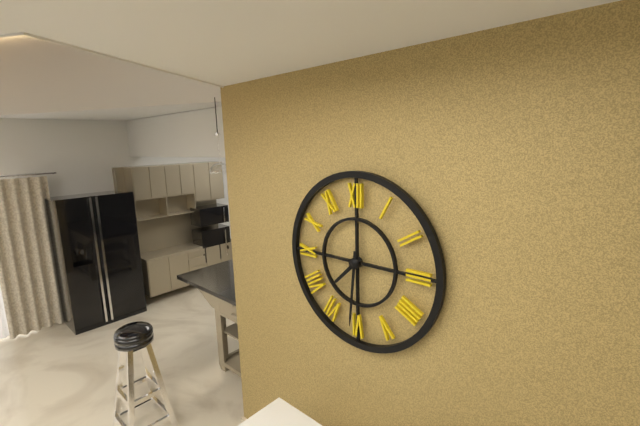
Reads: 7 h 31 min
